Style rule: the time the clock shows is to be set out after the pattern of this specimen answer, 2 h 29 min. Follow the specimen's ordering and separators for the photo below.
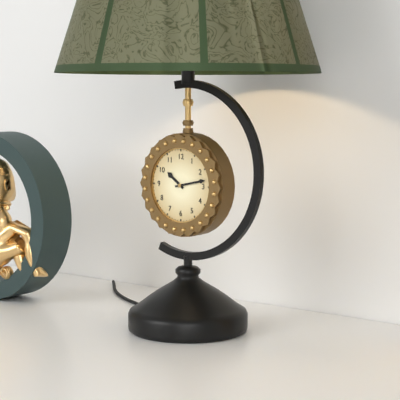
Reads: 10 h 13 min
